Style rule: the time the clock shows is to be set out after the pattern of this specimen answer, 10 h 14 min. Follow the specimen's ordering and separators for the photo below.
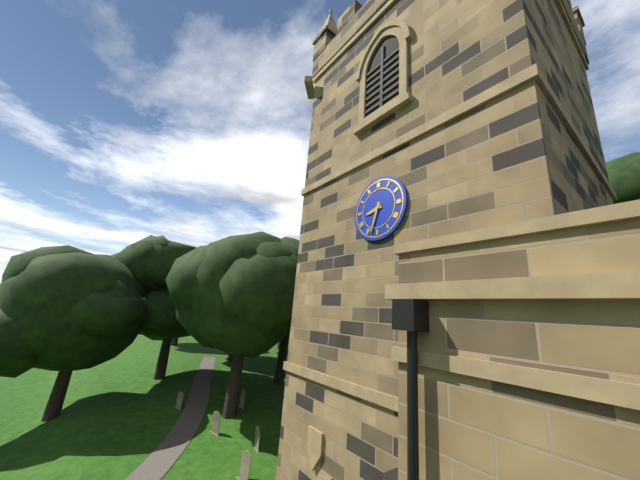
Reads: 8 h 33 min
